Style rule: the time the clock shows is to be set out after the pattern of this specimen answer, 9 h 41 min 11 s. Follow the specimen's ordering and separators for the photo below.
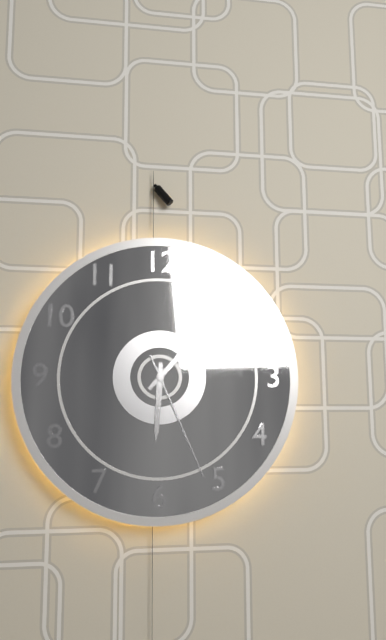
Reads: 6 h 07 min 26 s
